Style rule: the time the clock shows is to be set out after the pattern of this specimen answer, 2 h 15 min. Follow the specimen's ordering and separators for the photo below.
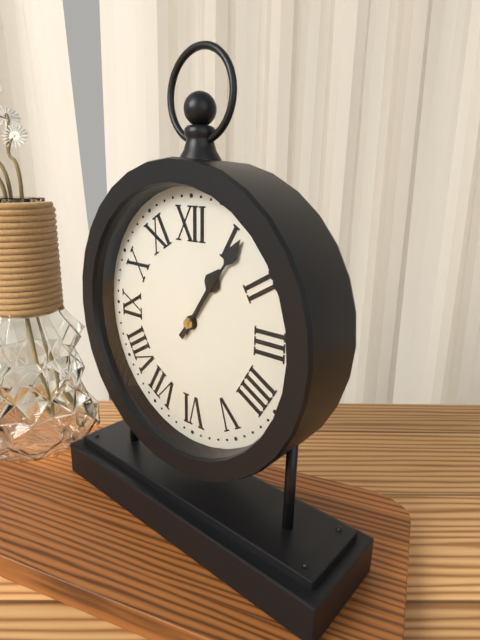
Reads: 1 h 06 min
